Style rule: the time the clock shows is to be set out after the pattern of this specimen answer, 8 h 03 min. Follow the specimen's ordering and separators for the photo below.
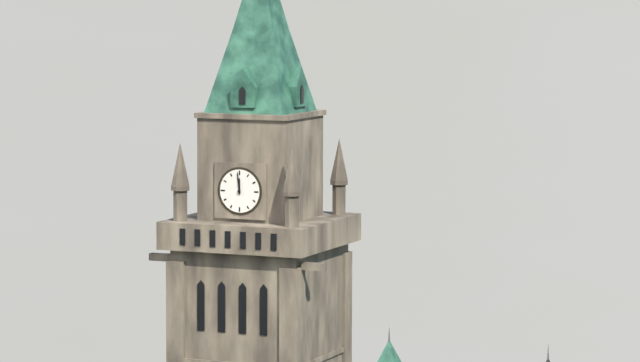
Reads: 11 h 59 min
